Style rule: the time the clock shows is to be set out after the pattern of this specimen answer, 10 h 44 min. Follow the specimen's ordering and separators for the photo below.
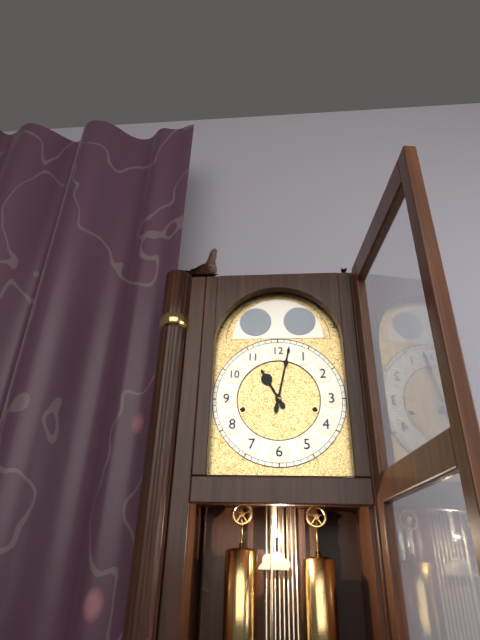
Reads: 11 h 02 min
